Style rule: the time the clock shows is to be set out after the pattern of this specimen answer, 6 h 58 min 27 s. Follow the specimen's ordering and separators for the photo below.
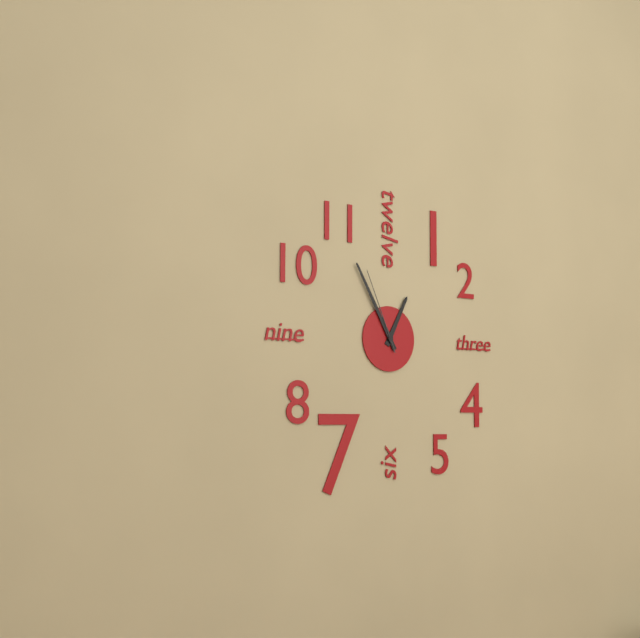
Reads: 12 h 55 min 56 s
